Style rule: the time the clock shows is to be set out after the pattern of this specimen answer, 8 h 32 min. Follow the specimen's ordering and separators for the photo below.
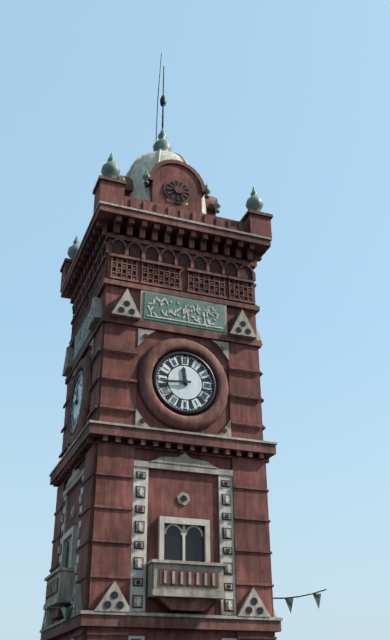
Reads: 11 h 44 min
